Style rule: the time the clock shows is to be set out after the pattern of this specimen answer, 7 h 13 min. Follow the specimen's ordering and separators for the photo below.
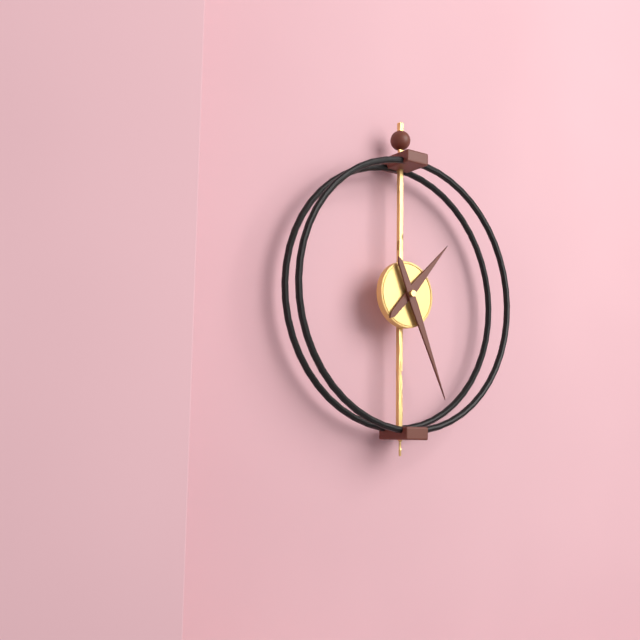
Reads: 1 h 26 min
